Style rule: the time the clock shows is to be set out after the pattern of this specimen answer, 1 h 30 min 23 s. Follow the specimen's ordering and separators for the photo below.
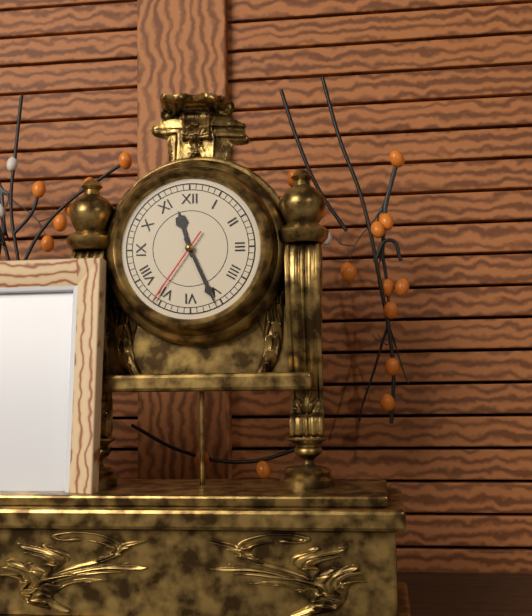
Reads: 11 h 26 min 36 s
